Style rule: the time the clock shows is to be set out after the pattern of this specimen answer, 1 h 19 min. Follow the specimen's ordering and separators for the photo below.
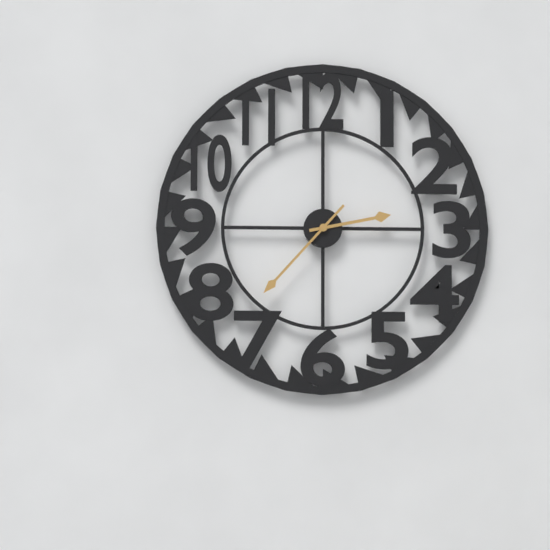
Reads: 2 h 37 min
